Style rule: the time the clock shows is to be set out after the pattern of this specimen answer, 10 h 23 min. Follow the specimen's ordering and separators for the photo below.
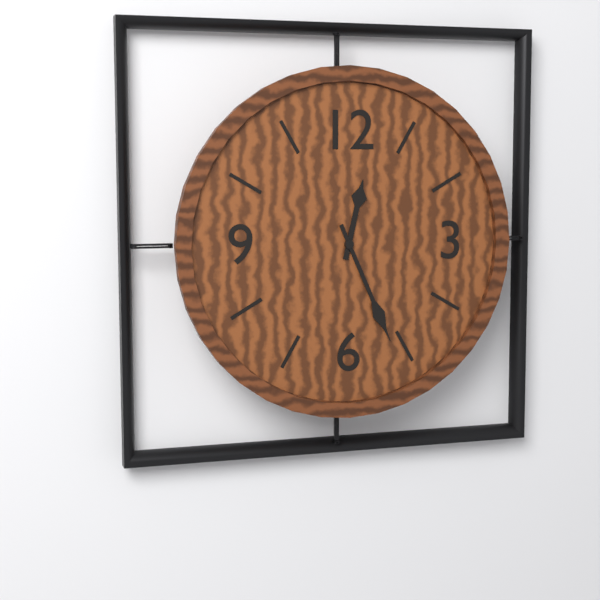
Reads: 12 h 26 min
